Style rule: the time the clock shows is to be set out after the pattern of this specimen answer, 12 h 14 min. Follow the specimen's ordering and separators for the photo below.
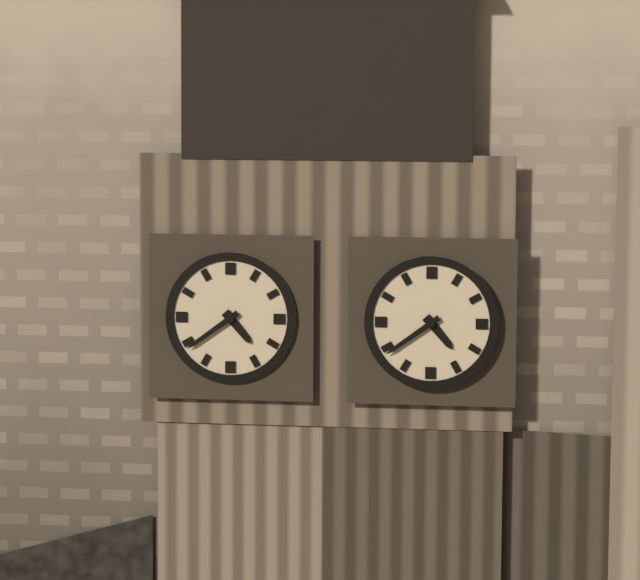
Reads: 4 h 39 min
